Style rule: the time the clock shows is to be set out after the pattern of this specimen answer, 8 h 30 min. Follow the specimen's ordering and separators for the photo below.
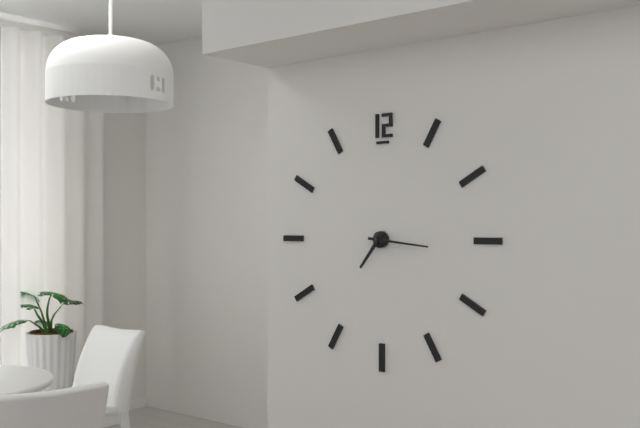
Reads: 7 h 16 min
